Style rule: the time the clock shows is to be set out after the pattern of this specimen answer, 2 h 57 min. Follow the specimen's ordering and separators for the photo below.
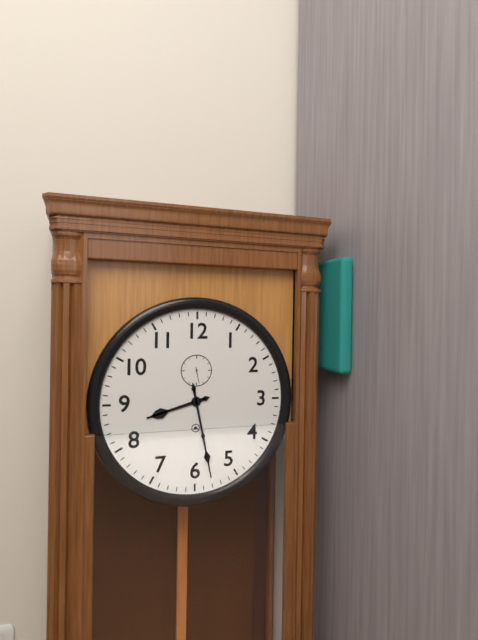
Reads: 8 h 28 min
